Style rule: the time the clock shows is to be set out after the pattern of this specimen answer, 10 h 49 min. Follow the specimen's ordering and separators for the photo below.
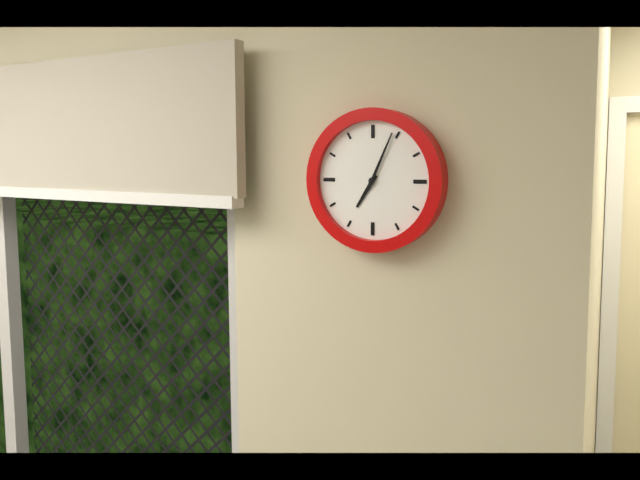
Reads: 7 h 04 min
